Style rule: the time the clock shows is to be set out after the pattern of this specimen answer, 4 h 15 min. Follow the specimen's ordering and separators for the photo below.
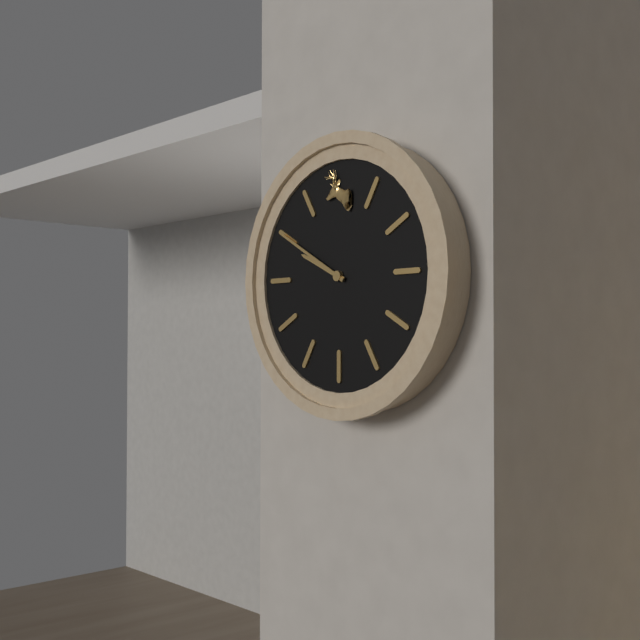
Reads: 9 h 50 min
